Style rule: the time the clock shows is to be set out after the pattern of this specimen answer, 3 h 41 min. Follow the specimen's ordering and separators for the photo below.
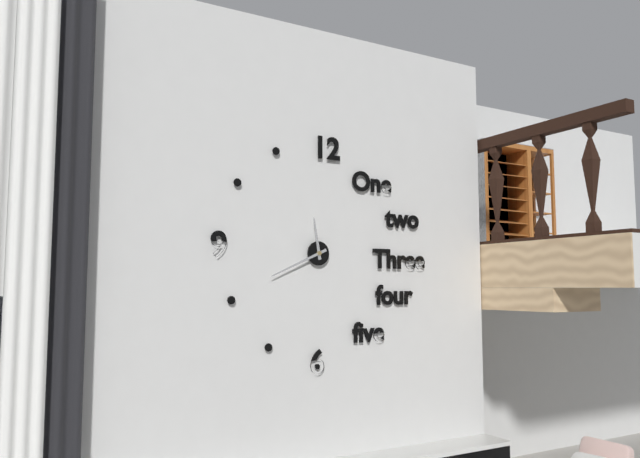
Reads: 11 h 41 min
